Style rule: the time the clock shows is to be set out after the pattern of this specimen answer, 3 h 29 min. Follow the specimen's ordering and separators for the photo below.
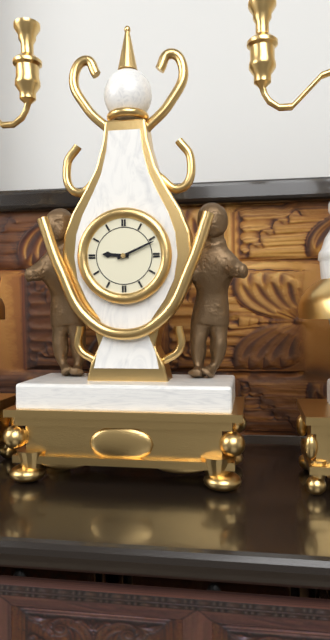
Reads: 9 h 11 min
